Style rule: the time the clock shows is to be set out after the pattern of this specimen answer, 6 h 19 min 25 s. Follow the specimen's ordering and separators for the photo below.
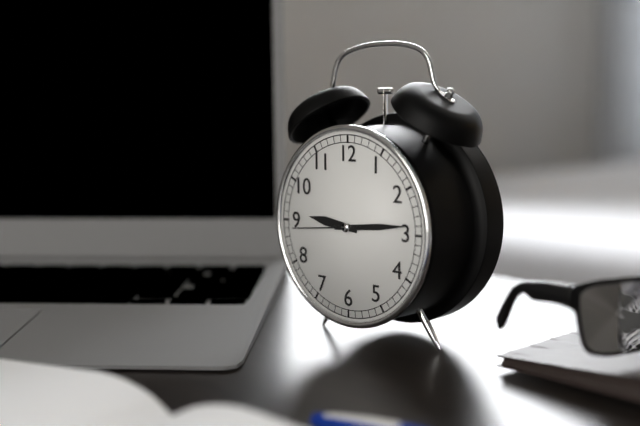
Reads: 9 h 14 min 44 s
